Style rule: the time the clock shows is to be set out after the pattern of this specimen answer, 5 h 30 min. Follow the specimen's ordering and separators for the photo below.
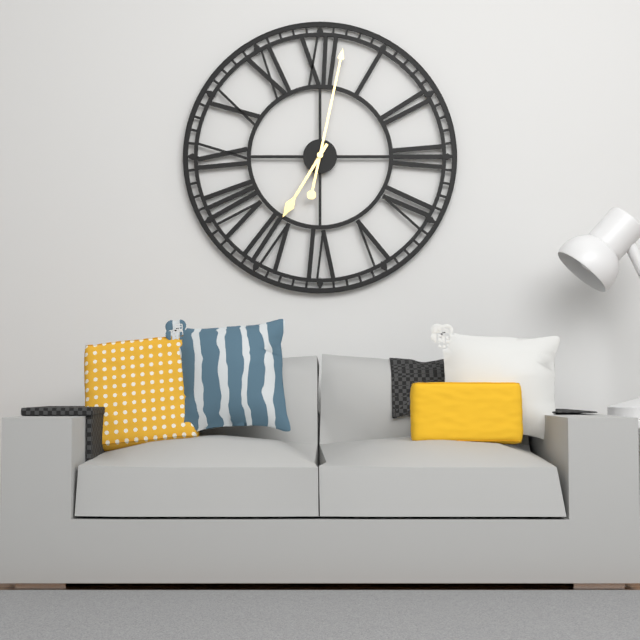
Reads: 7 h 02 min
